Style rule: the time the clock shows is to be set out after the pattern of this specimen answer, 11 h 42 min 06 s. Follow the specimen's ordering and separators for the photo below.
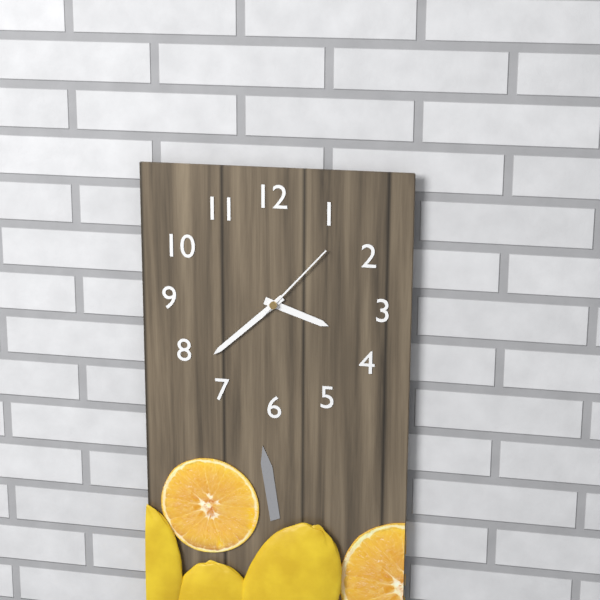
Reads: 3 h 38 min 07 s
